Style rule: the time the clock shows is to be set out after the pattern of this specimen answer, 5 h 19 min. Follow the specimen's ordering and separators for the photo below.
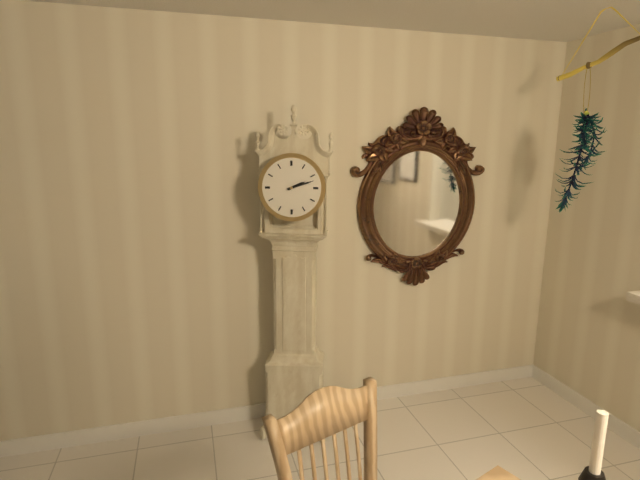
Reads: 2 h 12 min
